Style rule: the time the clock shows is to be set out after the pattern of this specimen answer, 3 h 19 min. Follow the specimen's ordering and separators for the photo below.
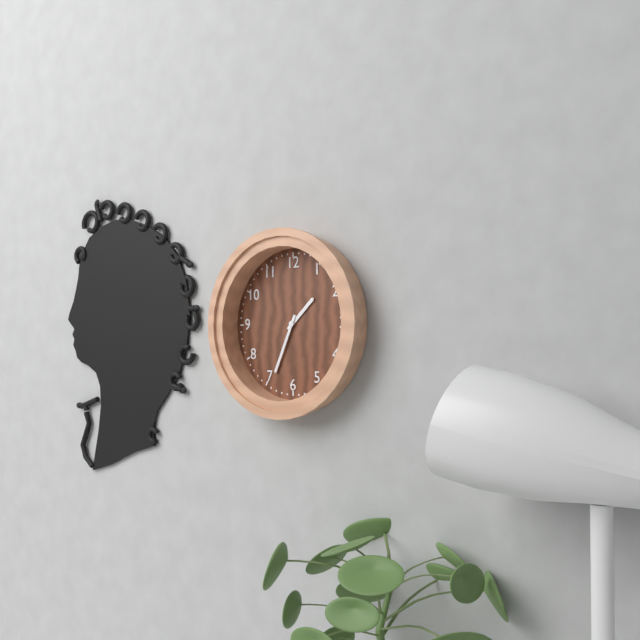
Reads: 1 h 34 min
